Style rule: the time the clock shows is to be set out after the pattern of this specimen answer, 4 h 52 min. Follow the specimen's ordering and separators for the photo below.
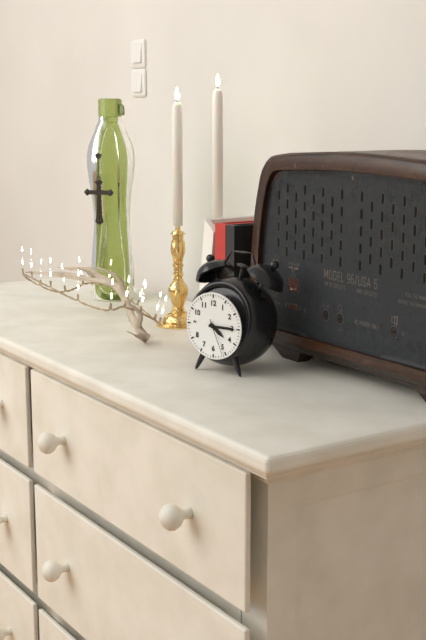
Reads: 4 h 15 min
